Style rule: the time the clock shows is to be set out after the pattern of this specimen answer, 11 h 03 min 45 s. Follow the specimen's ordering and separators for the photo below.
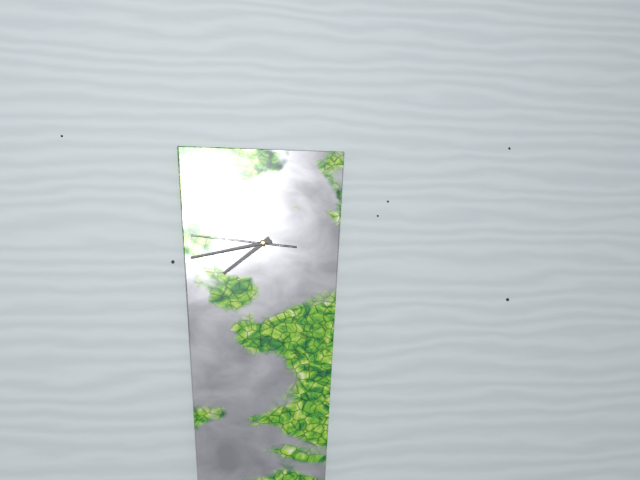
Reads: 7 h 43 min 46 s
